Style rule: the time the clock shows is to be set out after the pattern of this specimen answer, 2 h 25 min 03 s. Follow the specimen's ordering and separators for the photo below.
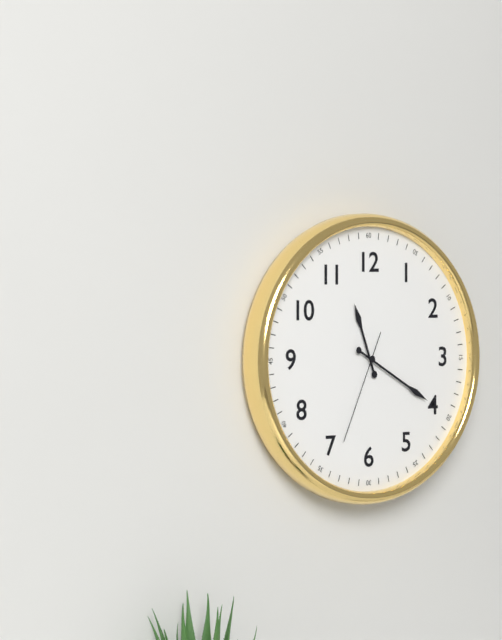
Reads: 11 h 20 min 34 s
